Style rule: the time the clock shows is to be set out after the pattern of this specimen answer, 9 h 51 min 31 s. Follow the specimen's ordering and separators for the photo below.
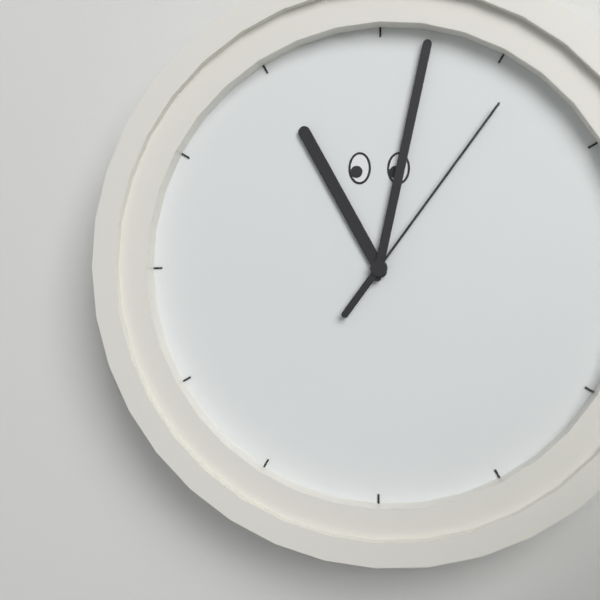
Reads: 11 h 02 min 06 s
